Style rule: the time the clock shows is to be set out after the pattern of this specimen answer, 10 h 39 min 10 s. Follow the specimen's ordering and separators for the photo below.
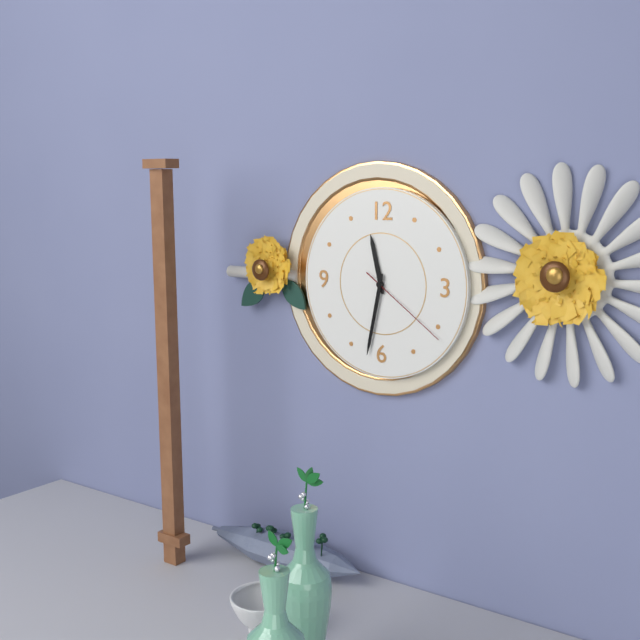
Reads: 11 h 32 min 21 s
